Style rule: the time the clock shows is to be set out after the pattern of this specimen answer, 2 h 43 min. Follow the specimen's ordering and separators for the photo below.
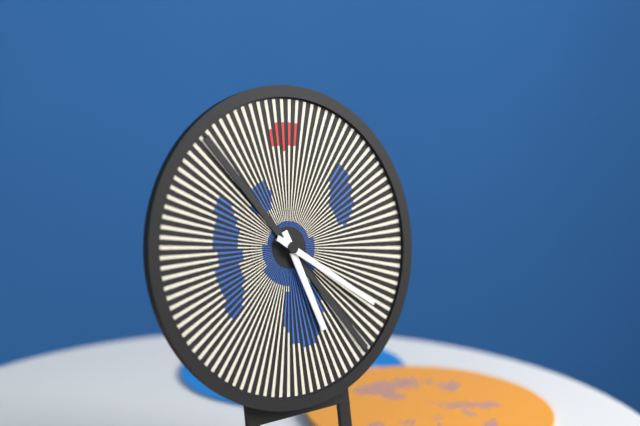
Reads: 5 h 21 min
